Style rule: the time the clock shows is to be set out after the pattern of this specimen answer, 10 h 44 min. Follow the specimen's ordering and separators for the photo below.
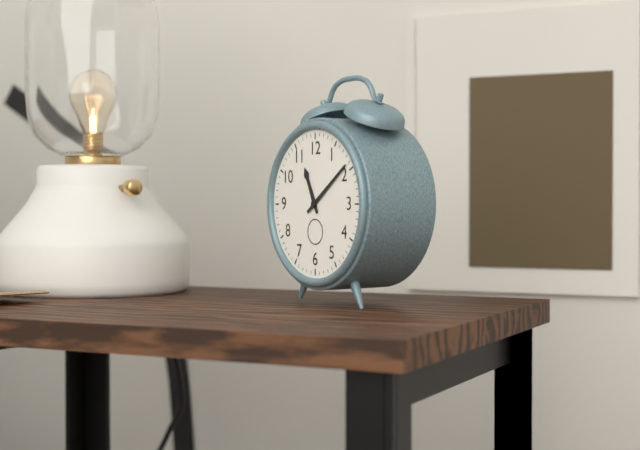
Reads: 11 h 09 min
